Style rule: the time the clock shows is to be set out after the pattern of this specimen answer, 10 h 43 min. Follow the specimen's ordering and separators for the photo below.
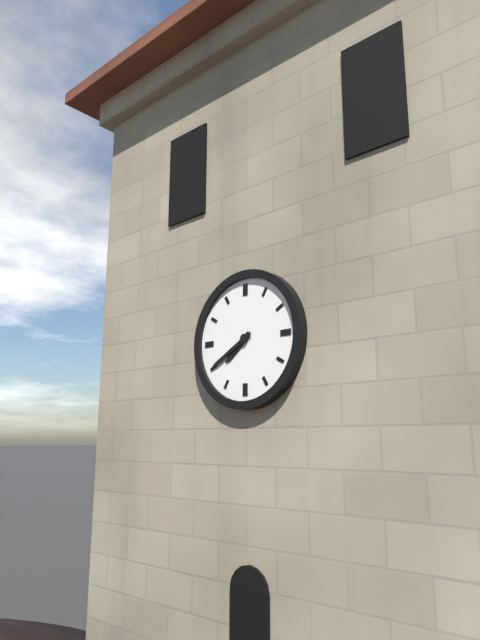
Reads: 7 h 40 min
